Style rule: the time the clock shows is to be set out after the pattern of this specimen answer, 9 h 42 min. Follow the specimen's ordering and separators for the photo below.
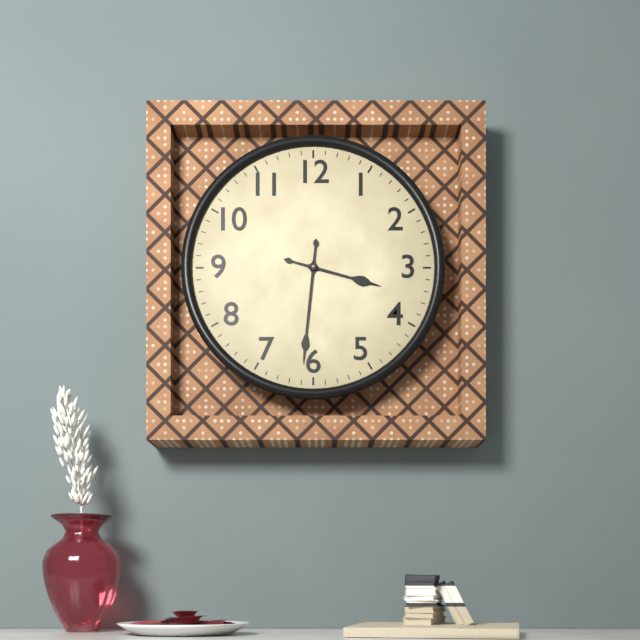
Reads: 3 h 31 min
